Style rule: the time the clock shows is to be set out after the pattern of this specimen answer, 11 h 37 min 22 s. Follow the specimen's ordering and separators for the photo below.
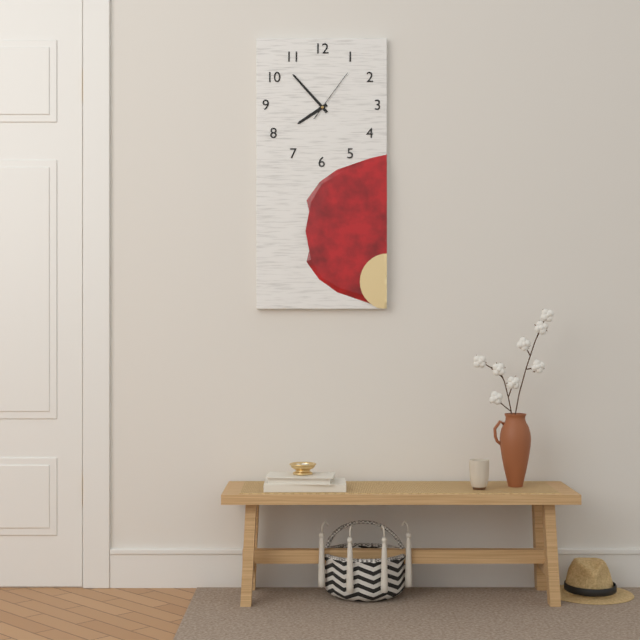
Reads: 7 h 53 min 06 s
